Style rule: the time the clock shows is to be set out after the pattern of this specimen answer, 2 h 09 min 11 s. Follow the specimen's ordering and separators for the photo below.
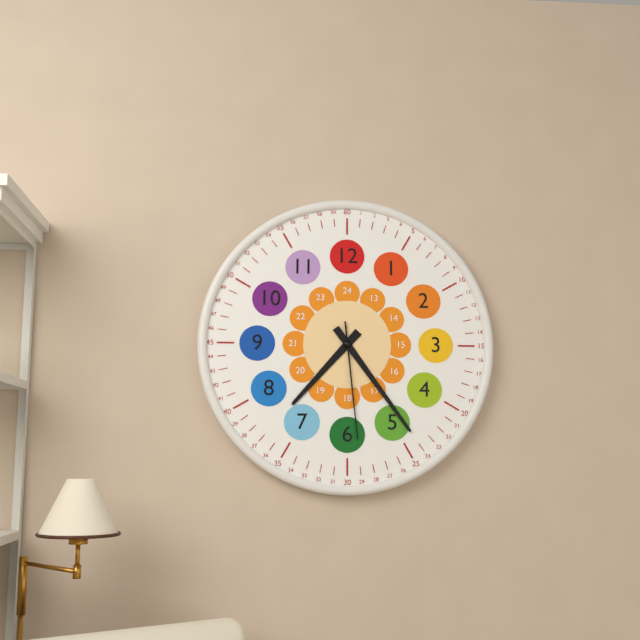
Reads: 7 h 24 min 29 s
